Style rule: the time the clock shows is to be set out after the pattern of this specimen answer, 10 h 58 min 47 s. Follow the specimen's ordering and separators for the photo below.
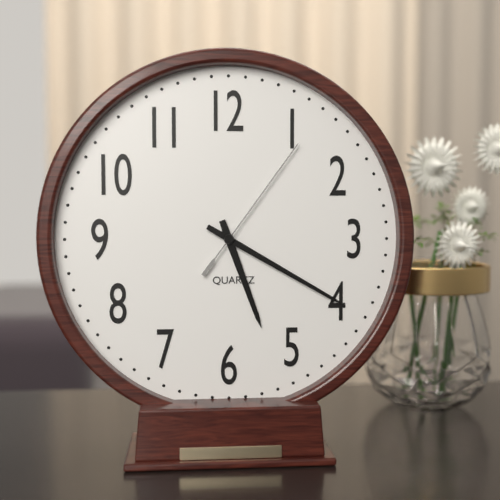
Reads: 5 h 20 min 06 s
